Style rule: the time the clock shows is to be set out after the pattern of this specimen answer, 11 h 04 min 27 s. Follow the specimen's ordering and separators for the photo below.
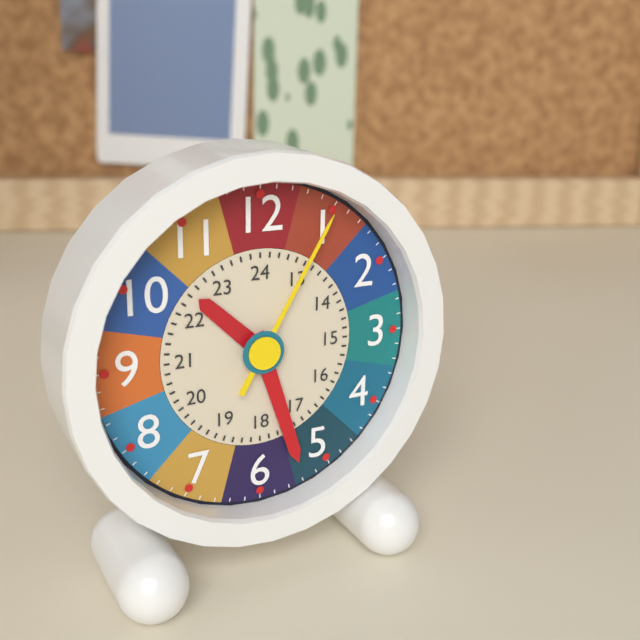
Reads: 10 h 27 min 05 s
